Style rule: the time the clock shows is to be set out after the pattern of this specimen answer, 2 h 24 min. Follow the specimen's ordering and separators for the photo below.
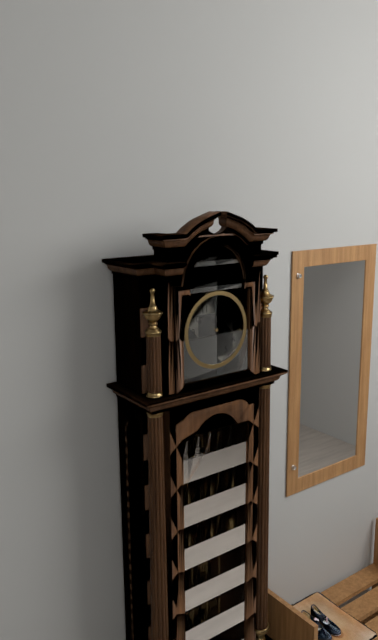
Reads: 10 h 00 min
